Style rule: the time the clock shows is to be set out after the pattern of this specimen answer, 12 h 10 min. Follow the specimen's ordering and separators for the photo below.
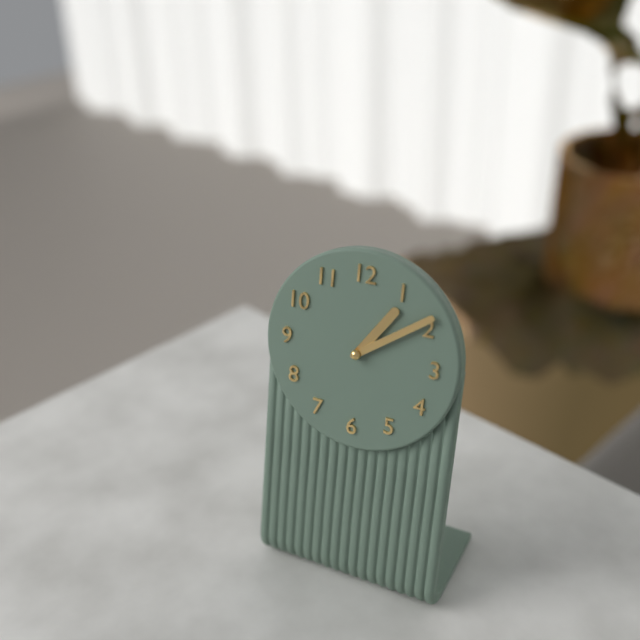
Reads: 1 h 09 min
